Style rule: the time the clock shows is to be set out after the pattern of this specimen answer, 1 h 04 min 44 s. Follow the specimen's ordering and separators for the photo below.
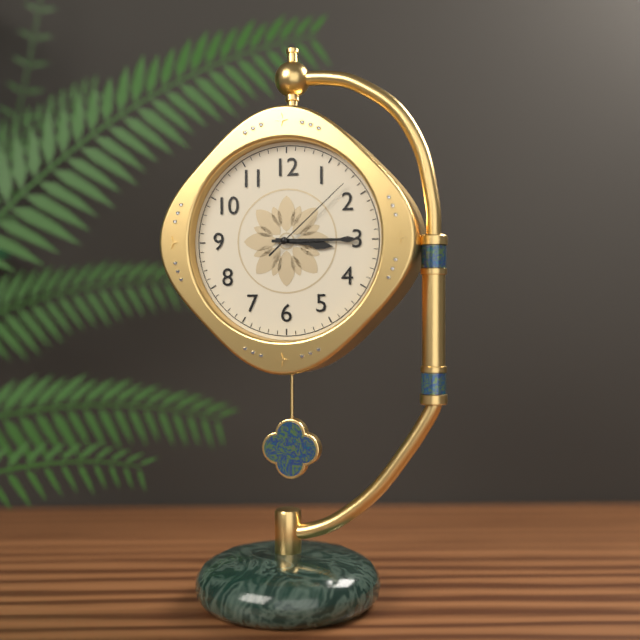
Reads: 3 h 15 min 08 s
